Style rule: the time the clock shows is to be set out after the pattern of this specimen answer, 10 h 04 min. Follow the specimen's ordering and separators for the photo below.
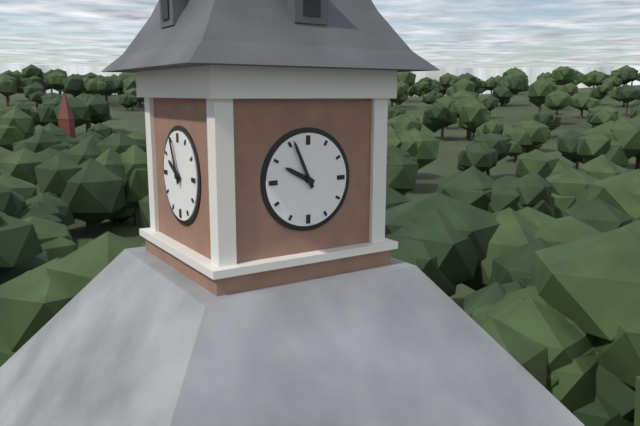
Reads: 9 h 56 min
